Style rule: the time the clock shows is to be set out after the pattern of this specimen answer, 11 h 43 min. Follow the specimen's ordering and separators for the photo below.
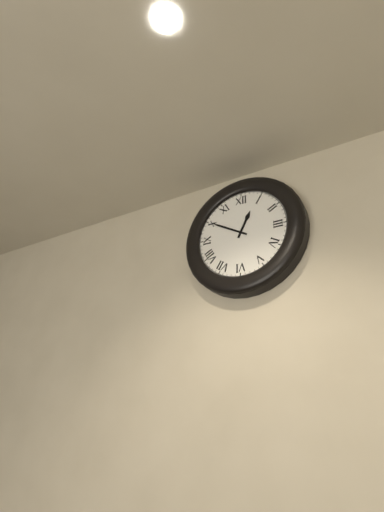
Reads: 12 h 50 min
